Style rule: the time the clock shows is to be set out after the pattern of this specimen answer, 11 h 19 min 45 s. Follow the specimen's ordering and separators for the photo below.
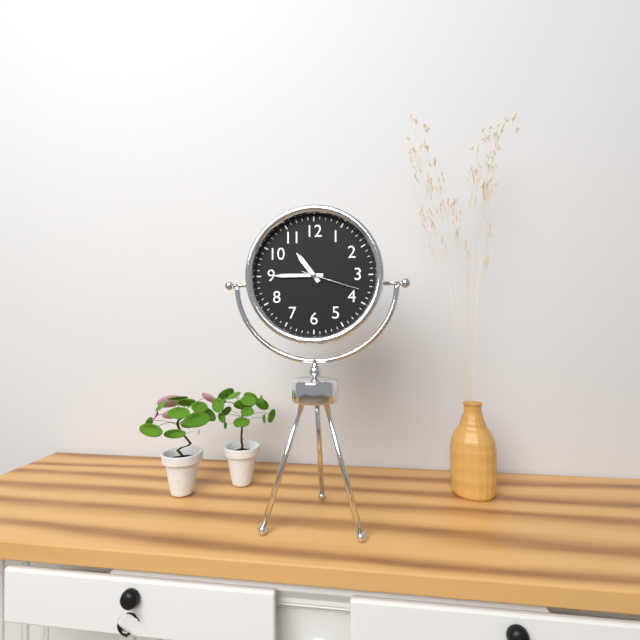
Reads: 10 h 45 min 18 s
